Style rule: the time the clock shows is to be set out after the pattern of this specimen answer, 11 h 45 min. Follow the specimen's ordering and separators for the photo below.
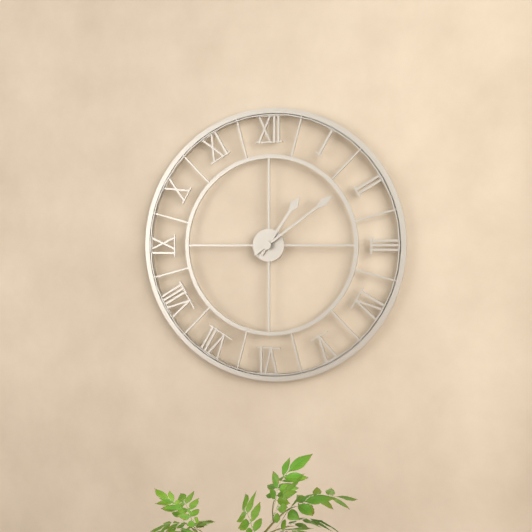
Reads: 1 h 09 min
